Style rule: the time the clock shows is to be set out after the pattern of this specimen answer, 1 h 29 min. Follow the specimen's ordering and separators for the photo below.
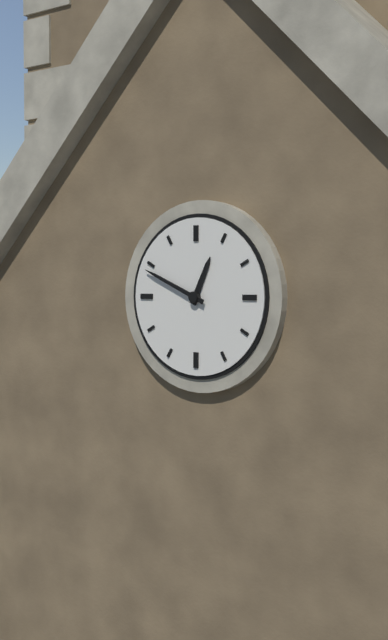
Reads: 12 h 49 min
